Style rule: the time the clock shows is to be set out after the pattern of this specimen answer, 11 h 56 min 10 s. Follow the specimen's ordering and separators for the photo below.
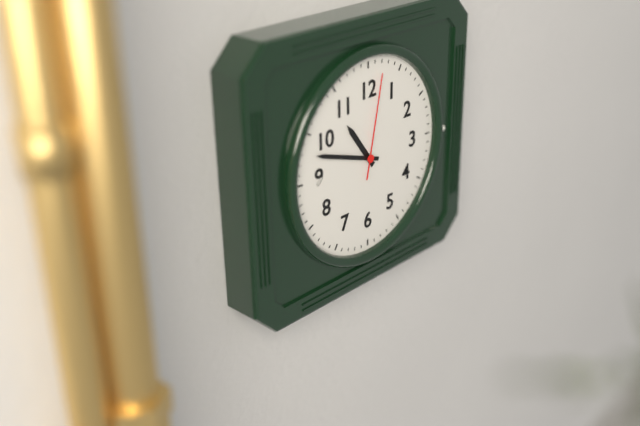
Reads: 10 h 48 min 02 s
